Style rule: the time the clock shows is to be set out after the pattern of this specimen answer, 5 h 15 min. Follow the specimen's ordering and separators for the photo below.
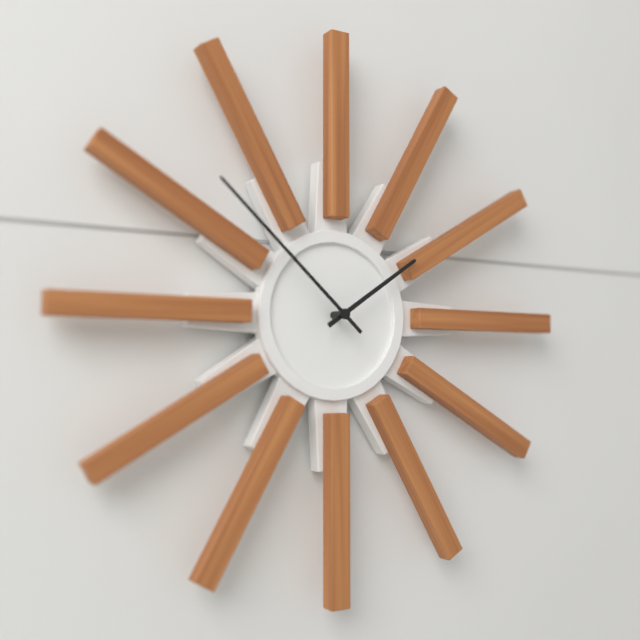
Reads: 1 h 52 min
